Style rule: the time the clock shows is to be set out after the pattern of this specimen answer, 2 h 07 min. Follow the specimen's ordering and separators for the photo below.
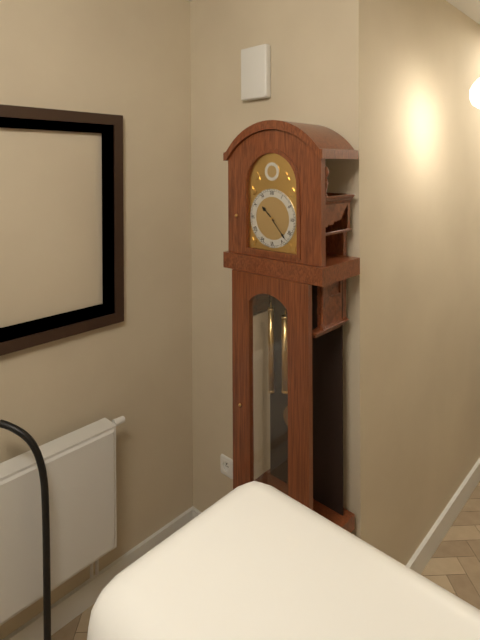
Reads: 10 h 23 min
